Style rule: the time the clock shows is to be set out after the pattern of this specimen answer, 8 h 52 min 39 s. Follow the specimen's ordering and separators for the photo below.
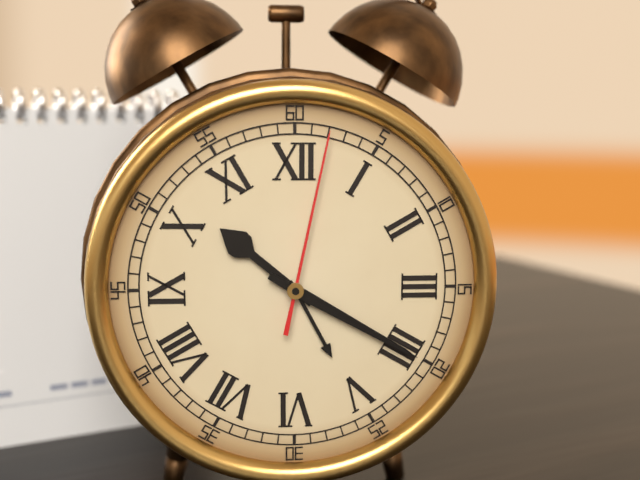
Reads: 10 h 20 min 02 s
